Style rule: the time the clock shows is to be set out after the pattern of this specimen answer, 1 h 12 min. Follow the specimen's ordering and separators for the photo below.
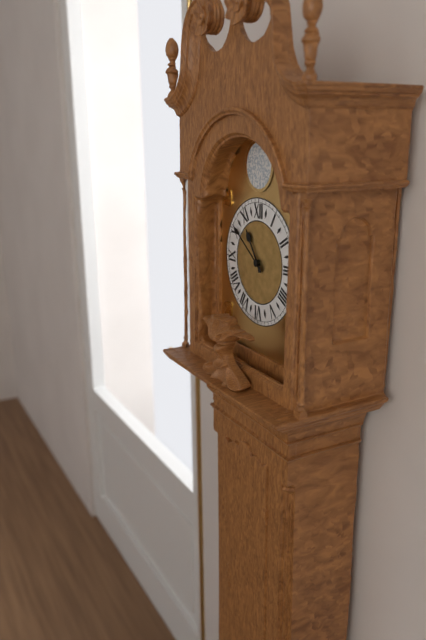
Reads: 10 h 51 min
